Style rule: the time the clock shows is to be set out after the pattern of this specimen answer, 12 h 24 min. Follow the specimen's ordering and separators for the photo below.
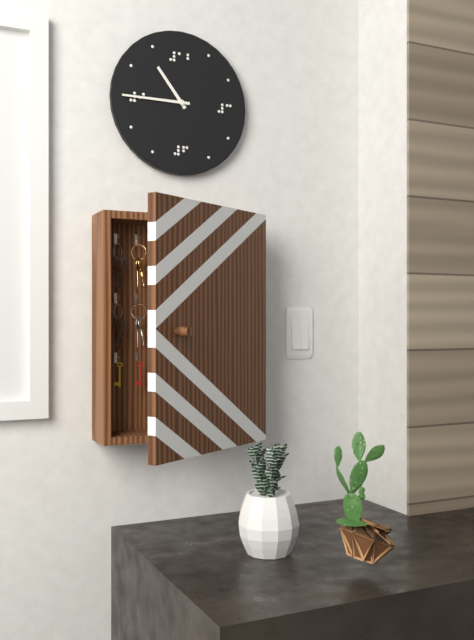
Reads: 10 h 45 min
